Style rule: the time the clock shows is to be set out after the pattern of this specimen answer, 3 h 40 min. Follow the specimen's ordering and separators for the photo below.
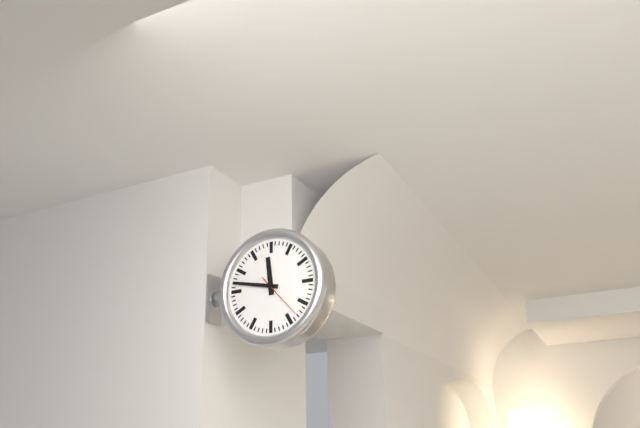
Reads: 11 h 47 min
